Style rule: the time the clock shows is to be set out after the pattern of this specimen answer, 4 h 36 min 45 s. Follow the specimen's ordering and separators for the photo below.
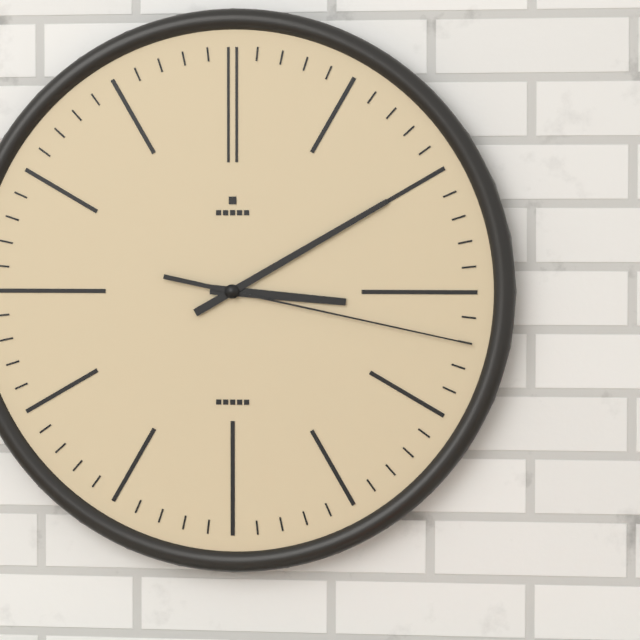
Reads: 3 h 10 min 17 s
